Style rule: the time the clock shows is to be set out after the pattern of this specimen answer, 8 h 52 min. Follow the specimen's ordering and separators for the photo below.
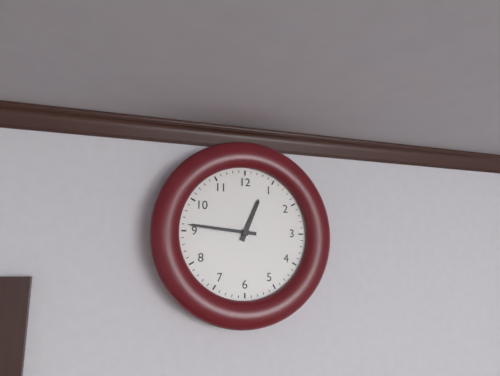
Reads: 12 h 46 min
